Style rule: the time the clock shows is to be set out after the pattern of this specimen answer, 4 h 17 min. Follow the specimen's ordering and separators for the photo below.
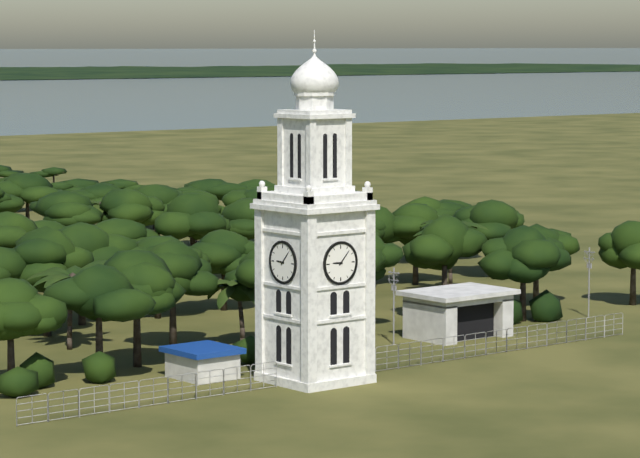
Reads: 9 h 07 min
